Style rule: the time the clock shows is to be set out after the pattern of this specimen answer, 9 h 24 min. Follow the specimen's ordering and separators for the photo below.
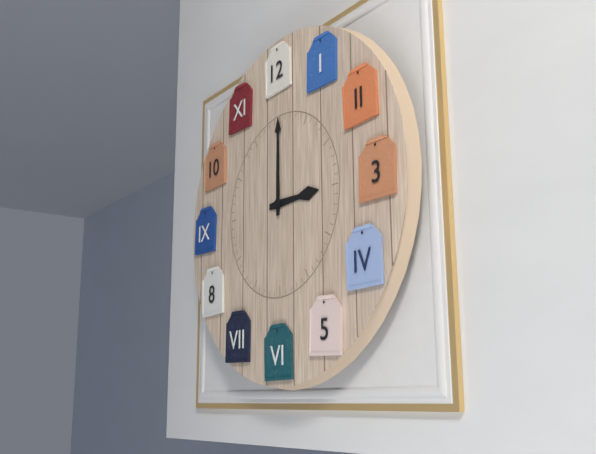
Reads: 3 h 00 min
